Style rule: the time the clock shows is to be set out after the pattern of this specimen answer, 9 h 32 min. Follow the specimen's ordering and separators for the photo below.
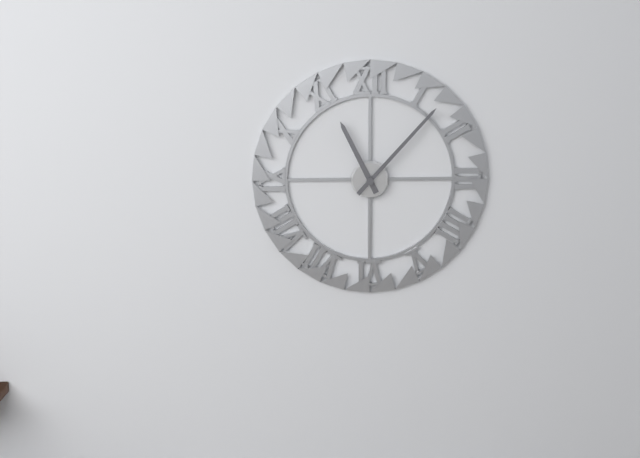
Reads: 11 h 07 min
